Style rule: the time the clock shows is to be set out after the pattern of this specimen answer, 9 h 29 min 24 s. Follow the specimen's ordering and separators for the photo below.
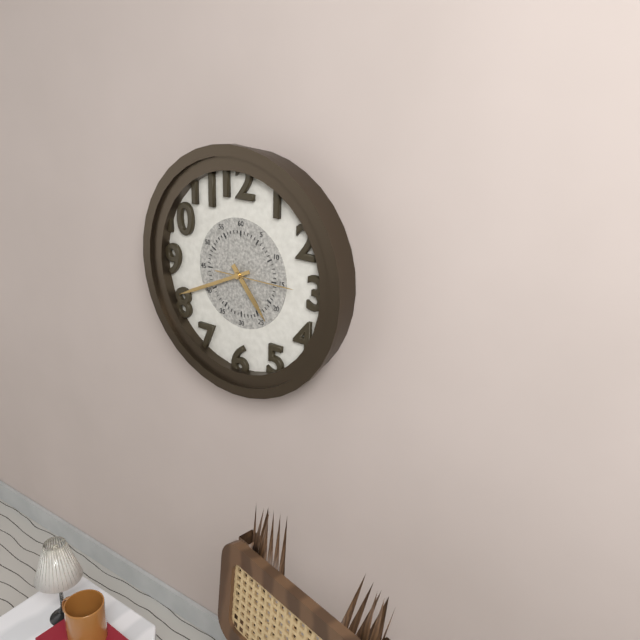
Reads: 4 h 41 min 15 s
